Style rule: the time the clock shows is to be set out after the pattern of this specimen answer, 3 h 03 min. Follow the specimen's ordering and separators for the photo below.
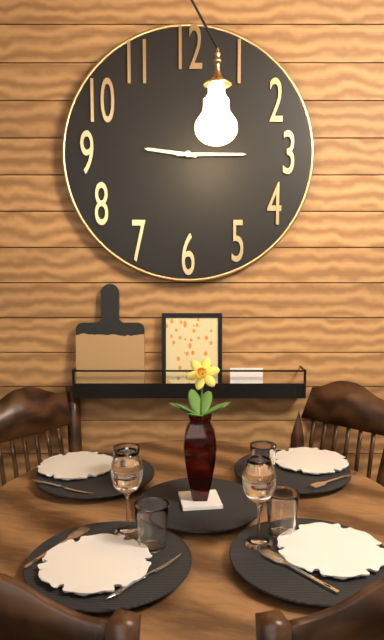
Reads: 9 h 15 min
